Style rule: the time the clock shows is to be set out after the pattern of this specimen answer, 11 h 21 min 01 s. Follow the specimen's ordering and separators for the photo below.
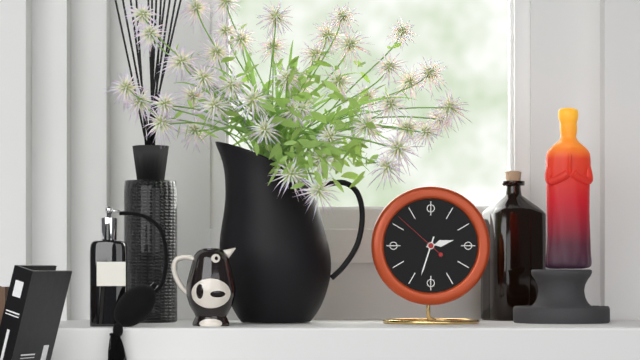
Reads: 2 h 33 min 52 s
